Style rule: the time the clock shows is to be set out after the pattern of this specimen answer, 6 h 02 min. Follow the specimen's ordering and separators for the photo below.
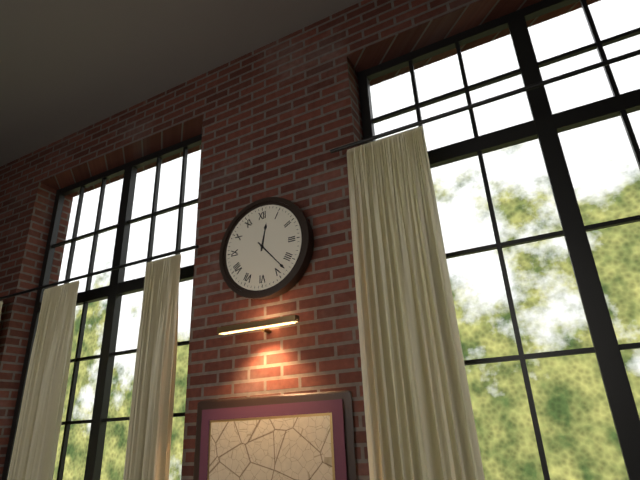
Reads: 12 h 23 min
